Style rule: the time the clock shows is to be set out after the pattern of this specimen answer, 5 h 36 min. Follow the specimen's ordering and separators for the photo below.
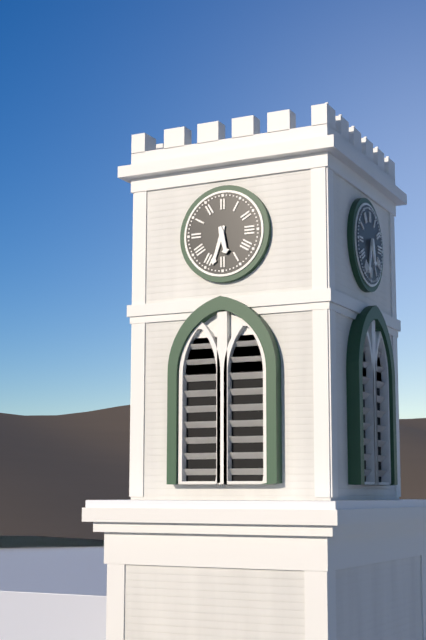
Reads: 5 h 33 min
